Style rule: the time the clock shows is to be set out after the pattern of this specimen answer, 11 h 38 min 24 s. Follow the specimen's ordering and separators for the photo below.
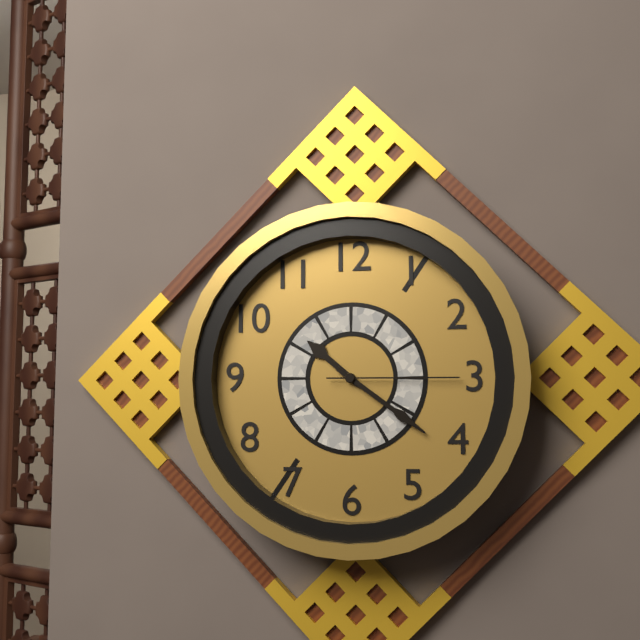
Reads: 10 h 21 min 15 s
